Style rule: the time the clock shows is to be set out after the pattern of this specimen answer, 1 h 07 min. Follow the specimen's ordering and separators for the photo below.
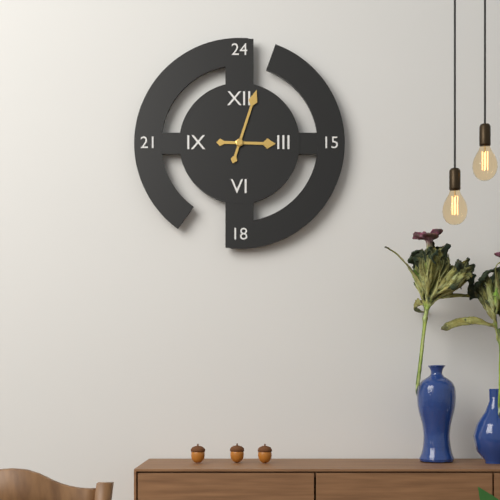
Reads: 3 h 03 min
